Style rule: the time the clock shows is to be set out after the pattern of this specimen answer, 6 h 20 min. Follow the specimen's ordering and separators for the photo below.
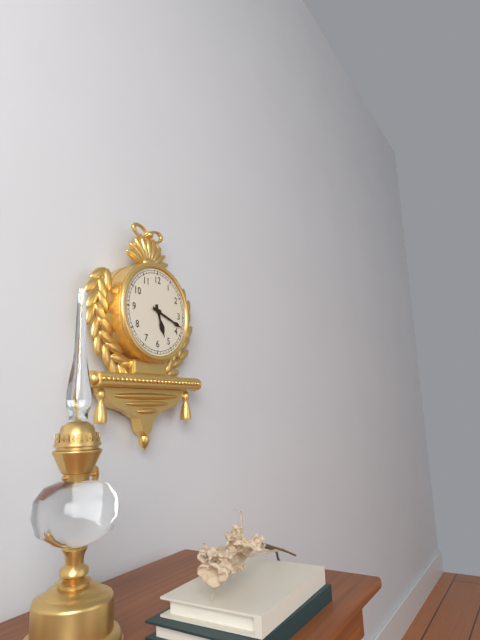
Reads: 5 h 18 min
